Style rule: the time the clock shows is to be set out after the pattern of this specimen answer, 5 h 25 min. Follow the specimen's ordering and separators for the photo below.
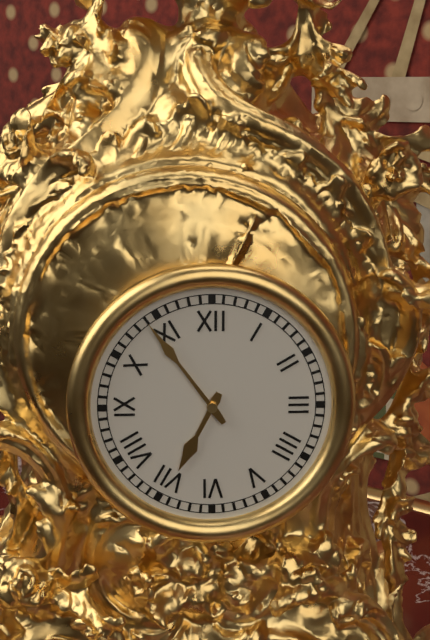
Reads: 6 h 54 min
